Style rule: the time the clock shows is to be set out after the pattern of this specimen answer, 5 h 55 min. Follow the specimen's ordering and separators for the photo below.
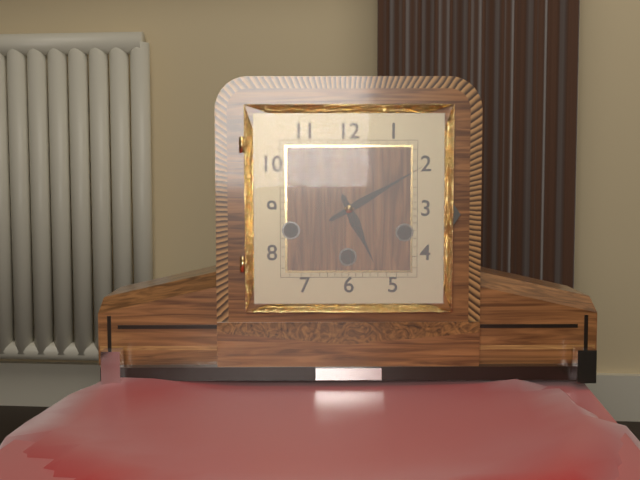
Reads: 5 h 10 min
